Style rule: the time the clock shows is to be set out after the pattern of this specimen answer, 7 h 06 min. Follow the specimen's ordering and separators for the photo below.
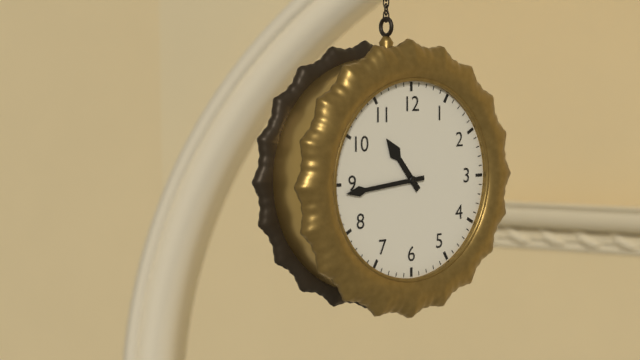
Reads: 10 h 44 min
